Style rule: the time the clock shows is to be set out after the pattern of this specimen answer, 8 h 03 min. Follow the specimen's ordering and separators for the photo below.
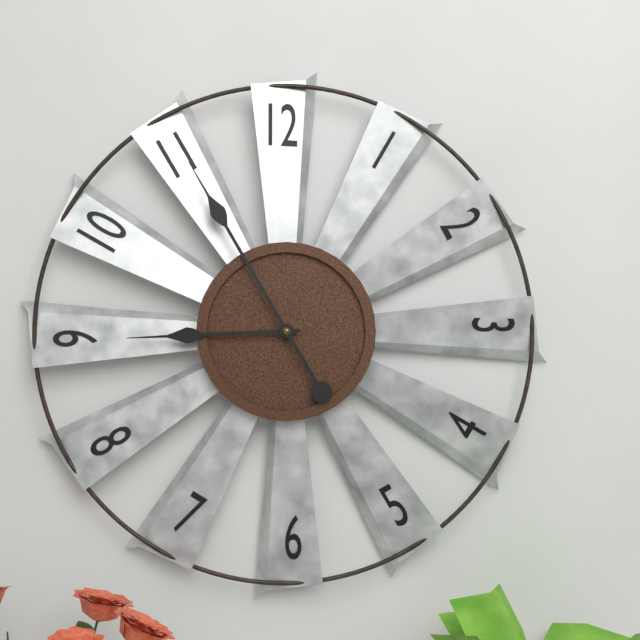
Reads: 8 h 55 min
